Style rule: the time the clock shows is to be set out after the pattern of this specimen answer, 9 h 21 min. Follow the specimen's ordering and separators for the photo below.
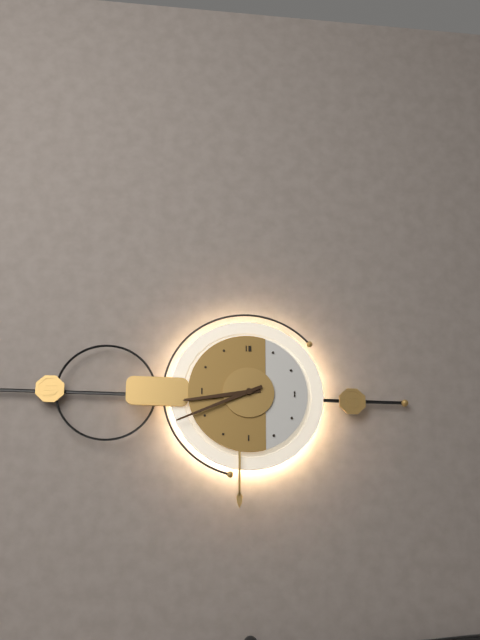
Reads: 8 h 41 min
